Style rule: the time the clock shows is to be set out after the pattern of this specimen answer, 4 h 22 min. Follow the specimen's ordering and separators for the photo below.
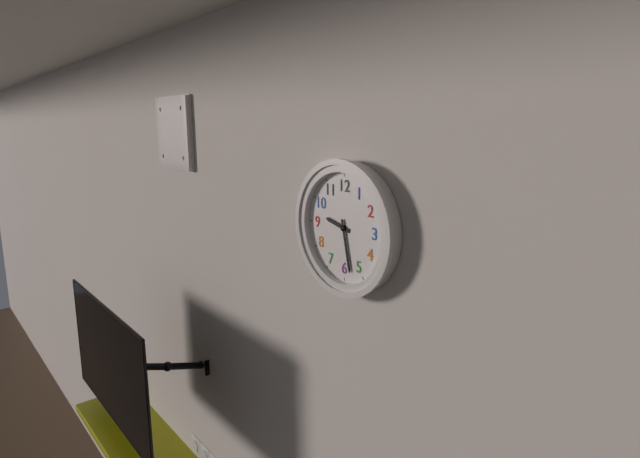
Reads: 9 h 28 min
